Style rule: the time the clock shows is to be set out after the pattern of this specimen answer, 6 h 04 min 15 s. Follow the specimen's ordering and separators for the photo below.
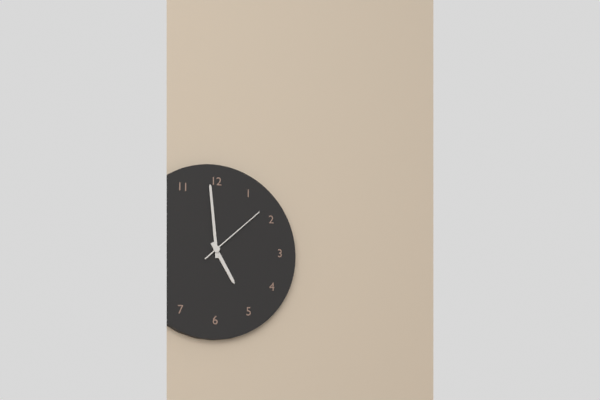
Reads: 4 h 59 min 08 s
